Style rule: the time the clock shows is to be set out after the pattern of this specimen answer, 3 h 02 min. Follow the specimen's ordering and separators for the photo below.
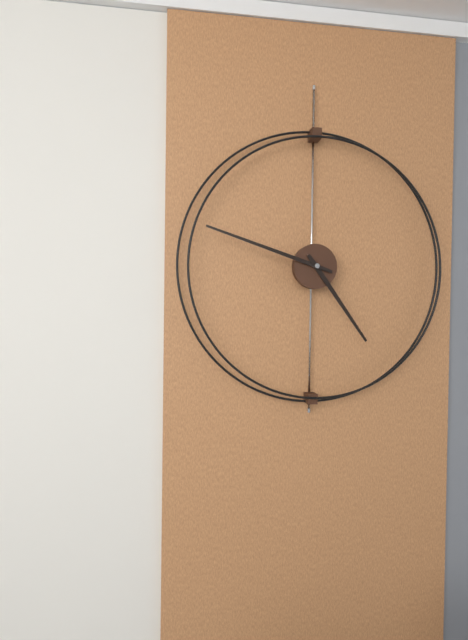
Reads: 4 h 48 min
